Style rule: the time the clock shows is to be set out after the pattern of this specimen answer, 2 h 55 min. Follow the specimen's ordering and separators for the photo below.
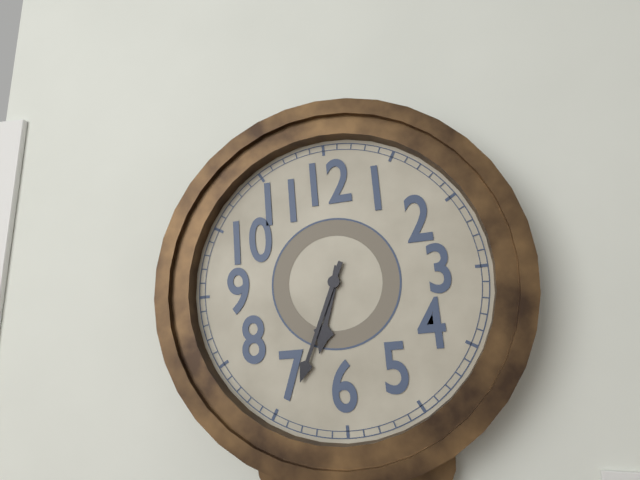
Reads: 6 h 34 min
